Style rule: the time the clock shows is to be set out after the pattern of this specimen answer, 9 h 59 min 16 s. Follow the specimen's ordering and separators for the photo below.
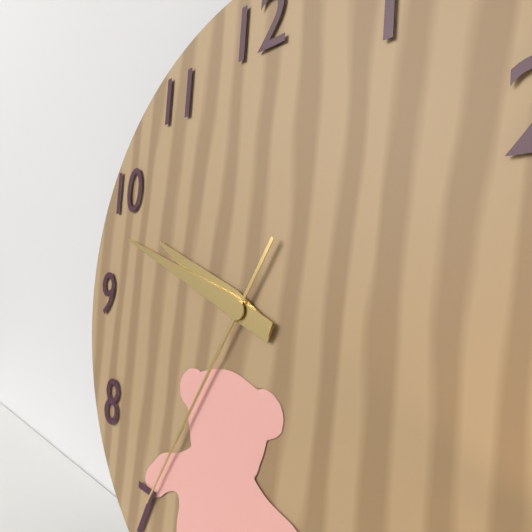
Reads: 9 h 48 min 35 s
